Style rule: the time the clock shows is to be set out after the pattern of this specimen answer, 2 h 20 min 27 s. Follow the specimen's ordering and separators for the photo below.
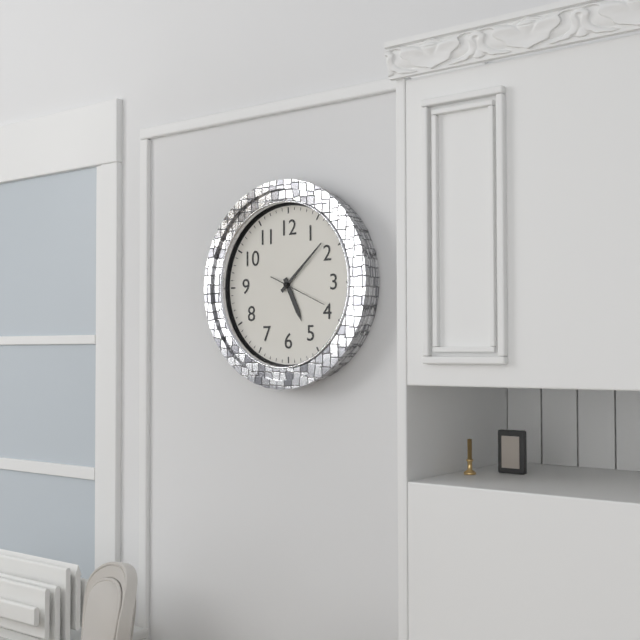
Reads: 5 h 08 min 19 s
